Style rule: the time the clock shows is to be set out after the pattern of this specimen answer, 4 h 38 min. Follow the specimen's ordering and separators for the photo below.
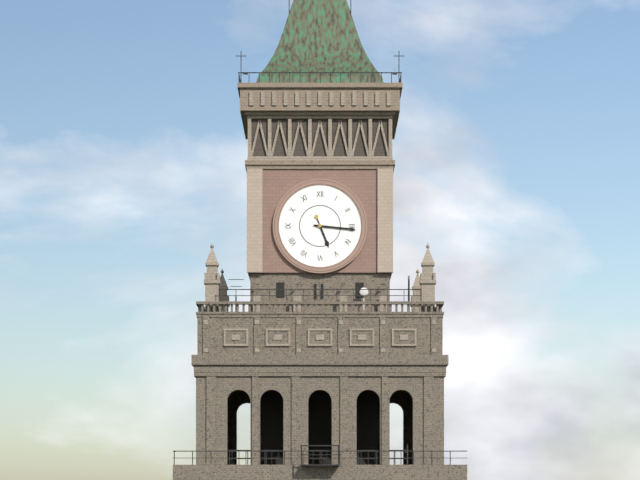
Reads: 5 h 16 min
